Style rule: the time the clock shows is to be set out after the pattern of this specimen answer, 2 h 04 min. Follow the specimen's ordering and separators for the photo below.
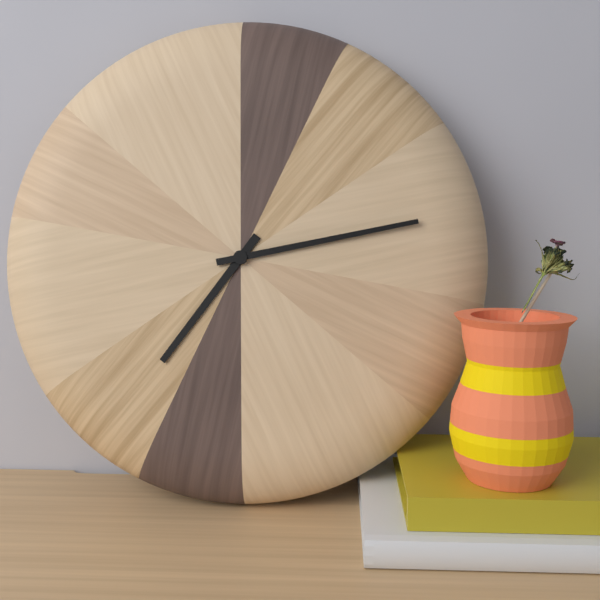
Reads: 7 h 13 min
